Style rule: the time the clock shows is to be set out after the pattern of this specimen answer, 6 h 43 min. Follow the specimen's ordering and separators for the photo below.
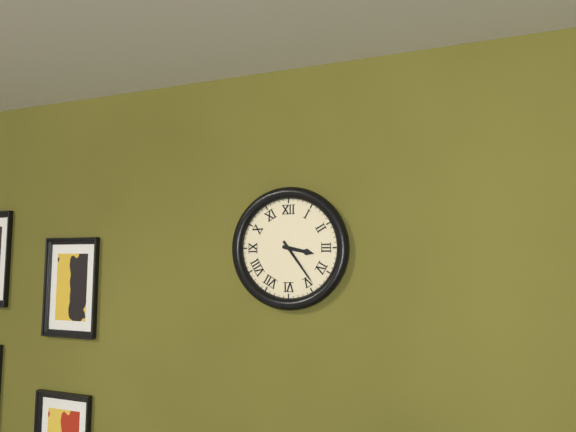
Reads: 3 h 24 min
